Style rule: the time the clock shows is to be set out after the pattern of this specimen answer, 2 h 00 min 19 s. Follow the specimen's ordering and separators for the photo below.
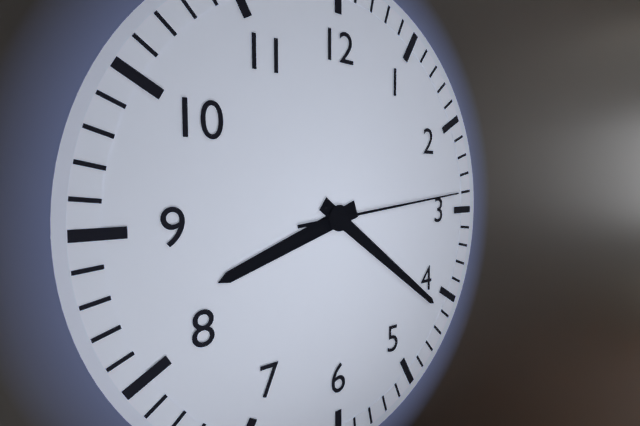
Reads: 8 h 21 min 14 s
